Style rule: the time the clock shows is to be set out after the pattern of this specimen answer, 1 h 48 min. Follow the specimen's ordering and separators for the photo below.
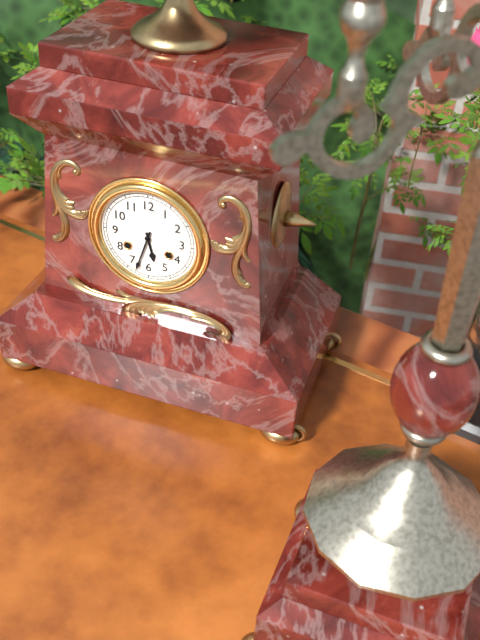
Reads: 5 h 33 min
